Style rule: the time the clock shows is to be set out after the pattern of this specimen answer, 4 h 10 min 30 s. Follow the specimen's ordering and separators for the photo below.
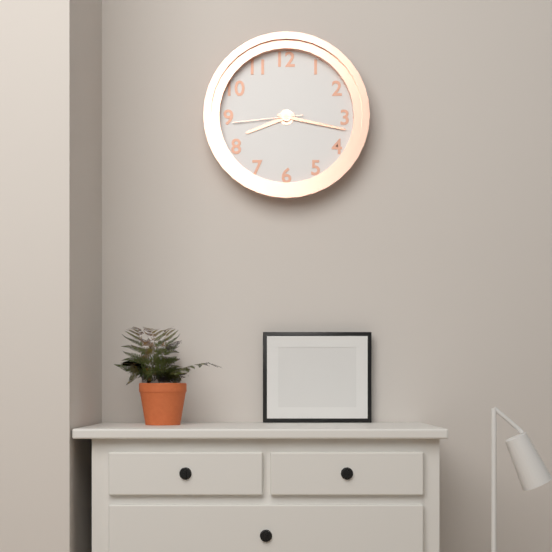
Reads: 8 h 17 min 44 s
